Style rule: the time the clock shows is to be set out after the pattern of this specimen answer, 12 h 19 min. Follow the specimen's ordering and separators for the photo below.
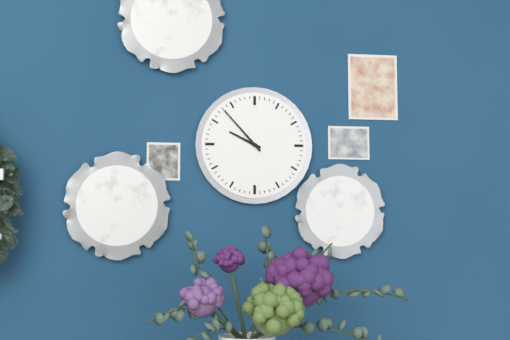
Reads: 9 h 53 min
